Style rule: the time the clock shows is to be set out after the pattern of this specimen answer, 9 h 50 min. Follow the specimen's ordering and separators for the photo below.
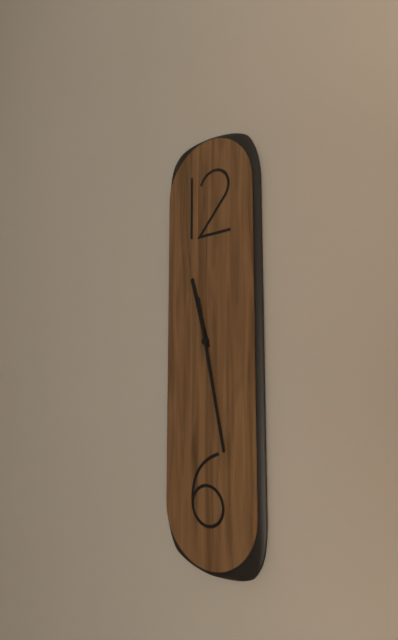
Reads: 11 h 28 min
